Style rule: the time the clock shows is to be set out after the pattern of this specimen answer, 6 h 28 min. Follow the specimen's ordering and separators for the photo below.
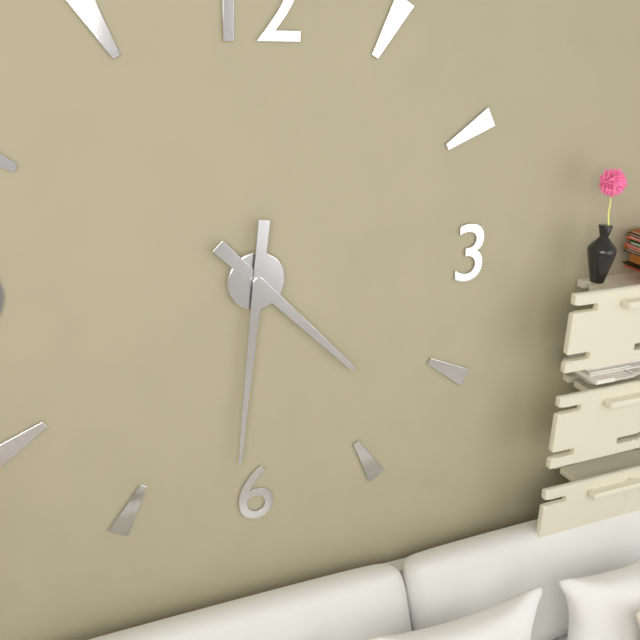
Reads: 4 h 31 min
